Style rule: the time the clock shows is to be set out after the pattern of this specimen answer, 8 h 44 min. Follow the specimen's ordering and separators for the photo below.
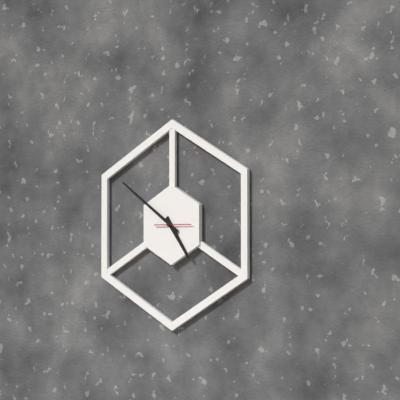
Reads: 4 h 51 min
